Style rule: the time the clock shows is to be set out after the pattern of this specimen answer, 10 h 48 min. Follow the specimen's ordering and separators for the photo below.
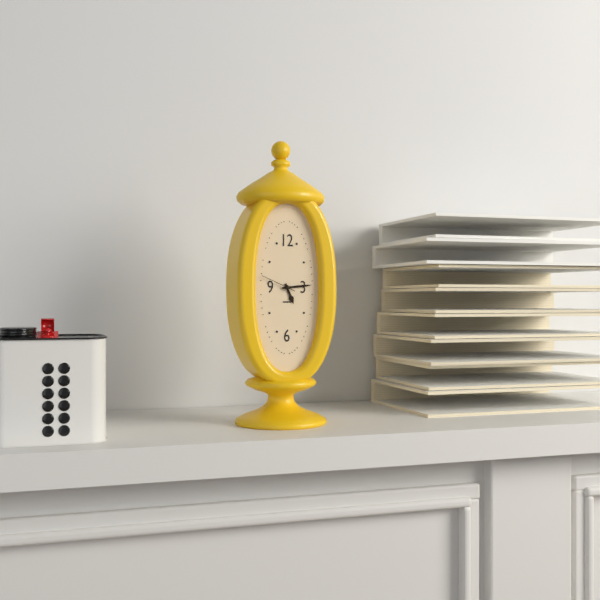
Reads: 5 h 14 min
